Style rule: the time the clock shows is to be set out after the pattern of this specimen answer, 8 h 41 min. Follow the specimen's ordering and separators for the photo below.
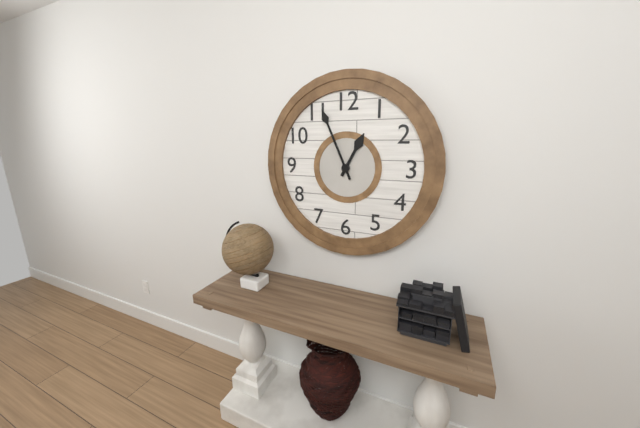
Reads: 12 h 56 min
